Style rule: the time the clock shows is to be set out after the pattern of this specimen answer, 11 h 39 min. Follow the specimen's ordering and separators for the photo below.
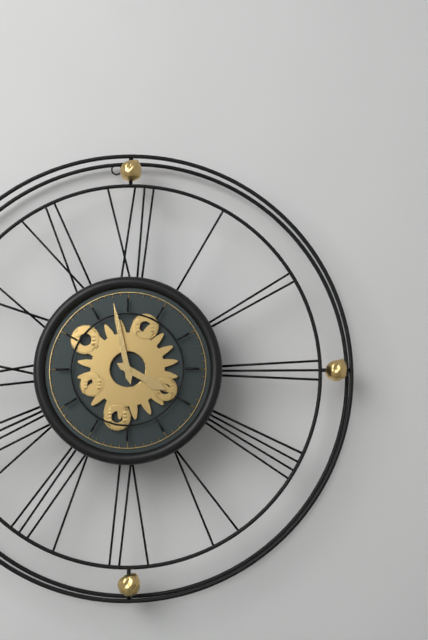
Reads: 3 h 58 min
